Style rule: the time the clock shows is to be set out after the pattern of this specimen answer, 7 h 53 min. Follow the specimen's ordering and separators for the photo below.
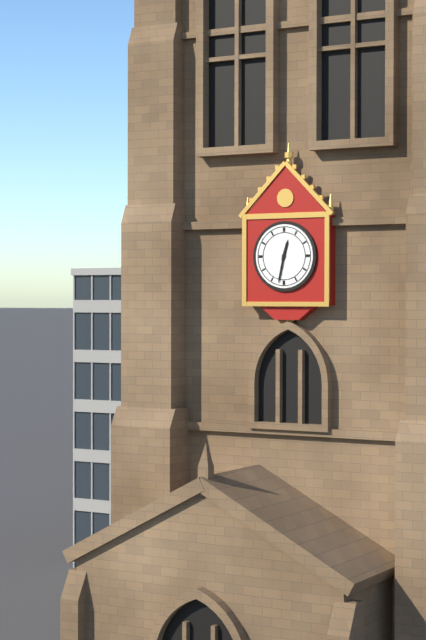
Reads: 12 h 32 min
